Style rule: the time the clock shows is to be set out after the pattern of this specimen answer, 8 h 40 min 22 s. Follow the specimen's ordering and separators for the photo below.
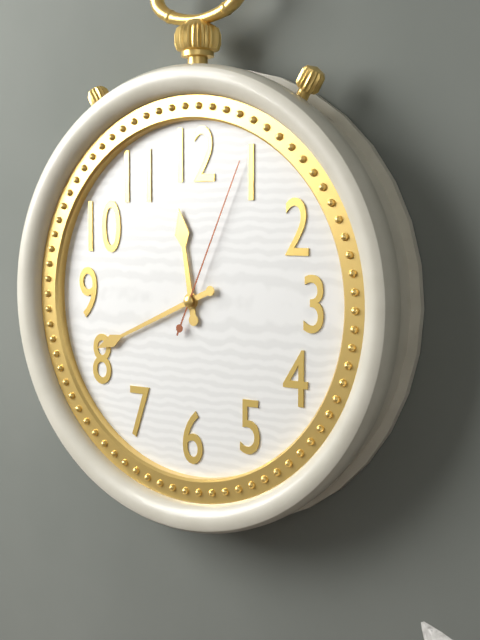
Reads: 11 h 41 min 04 s
